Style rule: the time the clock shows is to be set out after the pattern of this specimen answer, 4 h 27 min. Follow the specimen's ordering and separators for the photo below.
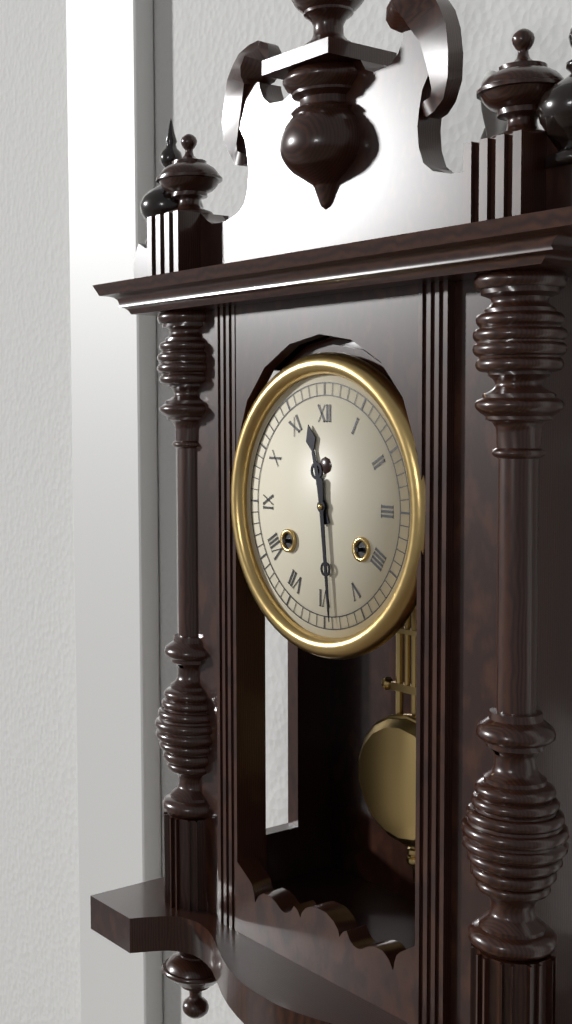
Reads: 11 h 29 min
